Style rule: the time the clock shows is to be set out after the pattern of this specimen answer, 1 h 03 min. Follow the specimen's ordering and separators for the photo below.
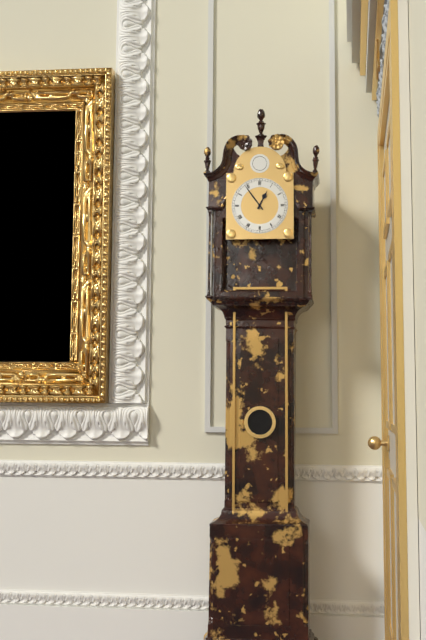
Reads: 12 h 54 min
